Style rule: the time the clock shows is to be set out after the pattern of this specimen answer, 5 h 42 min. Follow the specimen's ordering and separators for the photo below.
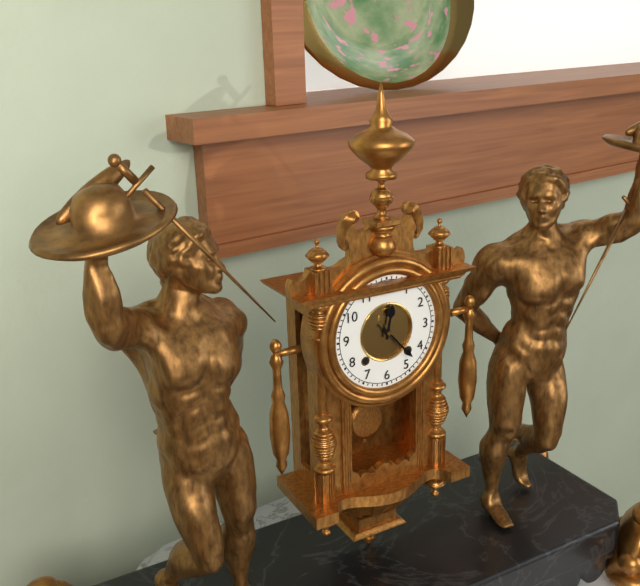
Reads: 12 h 23 min
